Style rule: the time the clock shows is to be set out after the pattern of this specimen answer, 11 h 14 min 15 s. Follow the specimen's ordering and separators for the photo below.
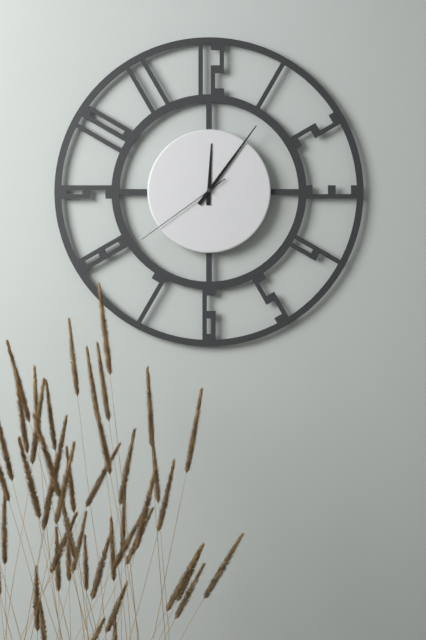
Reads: 12 h 06 min 39 s
